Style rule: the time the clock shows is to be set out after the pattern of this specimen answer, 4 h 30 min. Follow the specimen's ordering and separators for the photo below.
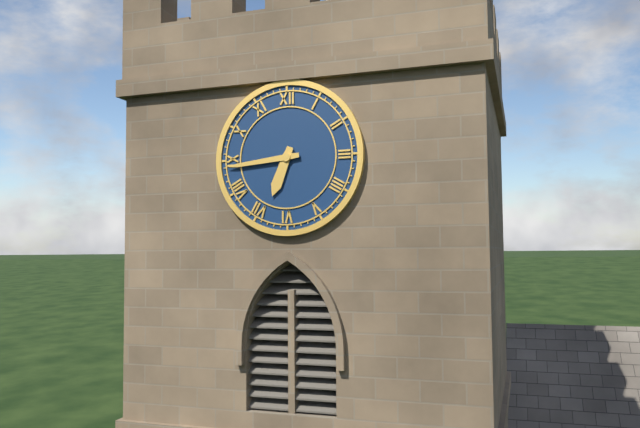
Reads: 6 h 44 min
